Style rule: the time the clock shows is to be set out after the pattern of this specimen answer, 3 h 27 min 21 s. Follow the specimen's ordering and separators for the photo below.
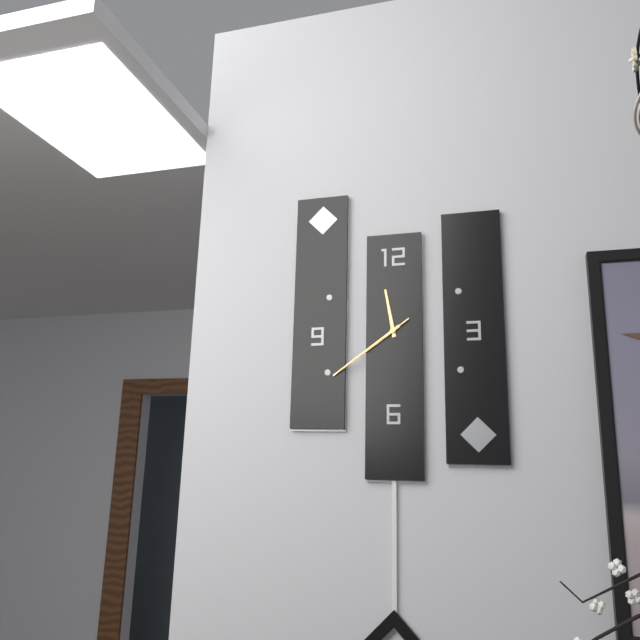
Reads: 11 h 39 min 39 s
